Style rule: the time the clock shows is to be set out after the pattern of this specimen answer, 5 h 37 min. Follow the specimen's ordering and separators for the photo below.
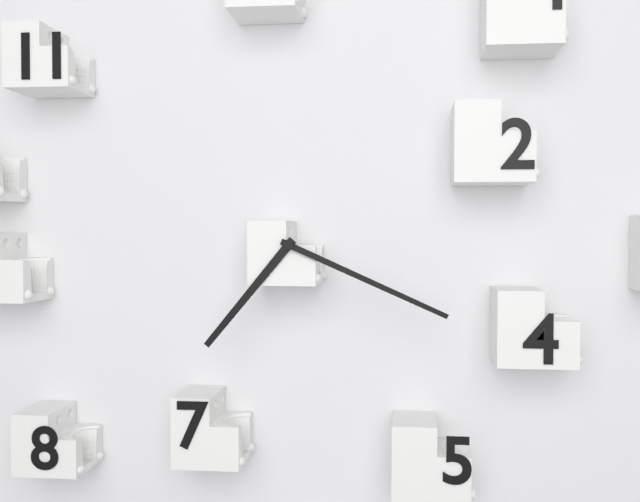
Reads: 7 h 19 min
